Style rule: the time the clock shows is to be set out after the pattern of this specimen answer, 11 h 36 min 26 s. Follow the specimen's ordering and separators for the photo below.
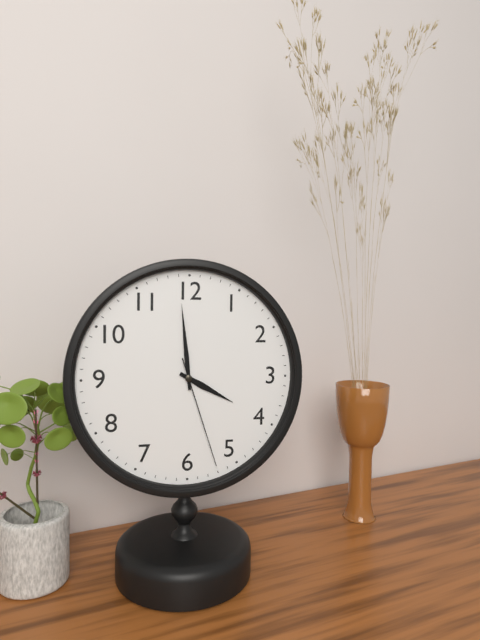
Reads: 3 h 59 min 27 s
